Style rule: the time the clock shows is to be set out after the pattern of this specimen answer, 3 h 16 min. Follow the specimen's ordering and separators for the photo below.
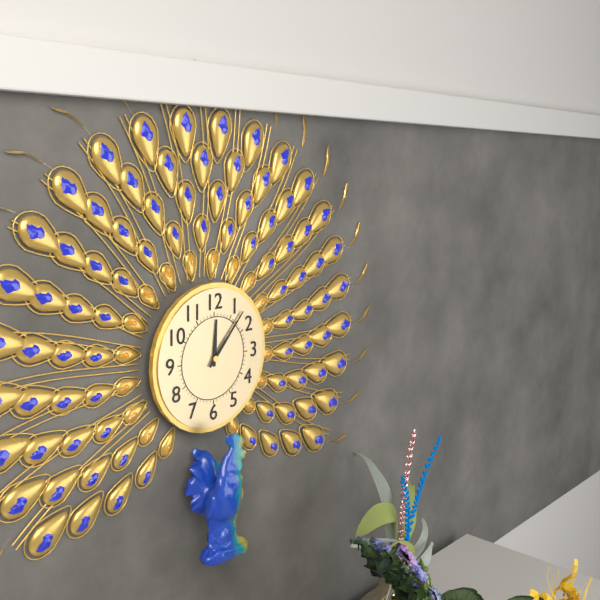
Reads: 12 h 07 min
